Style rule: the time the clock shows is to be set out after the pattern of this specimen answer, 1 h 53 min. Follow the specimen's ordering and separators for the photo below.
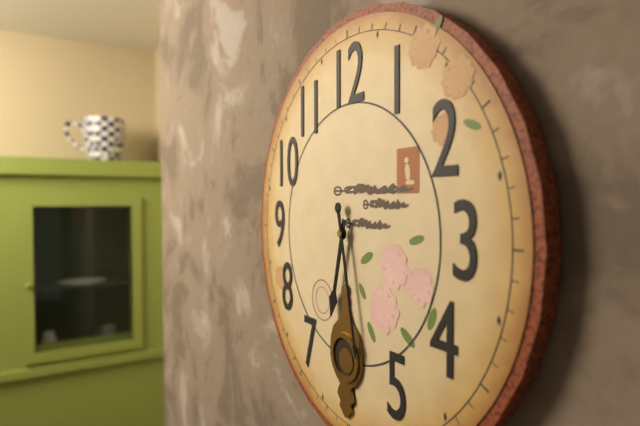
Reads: 6 h 28 min
